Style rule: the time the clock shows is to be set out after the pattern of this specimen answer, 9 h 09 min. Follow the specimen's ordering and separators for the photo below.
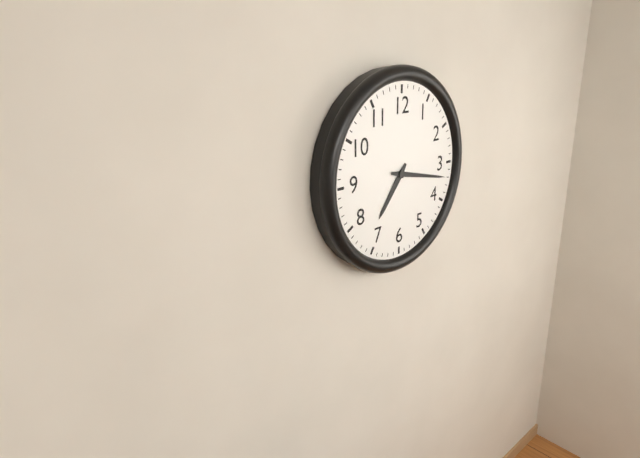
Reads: 7 h 17 min
